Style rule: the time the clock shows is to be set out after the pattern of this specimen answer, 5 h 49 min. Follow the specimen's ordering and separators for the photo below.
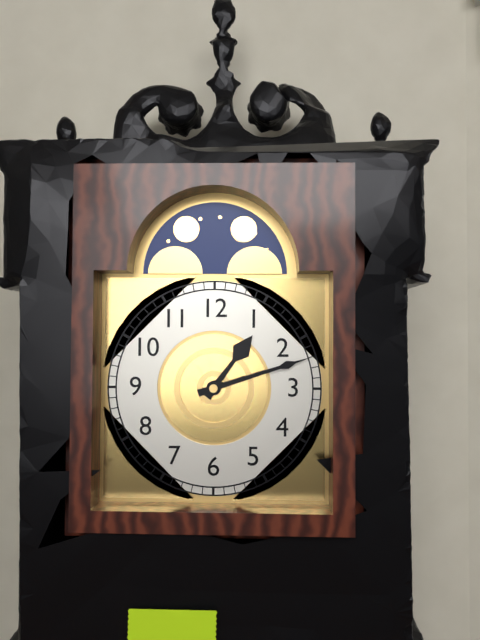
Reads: 1 h 12 min
